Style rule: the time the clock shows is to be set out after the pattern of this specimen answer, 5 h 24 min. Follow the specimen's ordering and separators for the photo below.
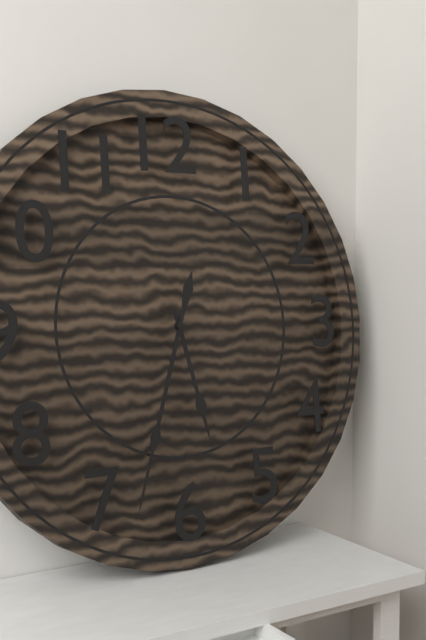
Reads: 5 h 33 min
